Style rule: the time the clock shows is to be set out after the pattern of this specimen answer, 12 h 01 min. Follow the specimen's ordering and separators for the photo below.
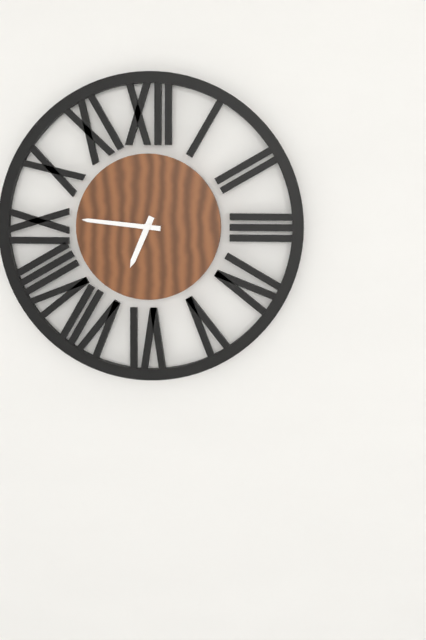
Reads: 6 h 46 min
